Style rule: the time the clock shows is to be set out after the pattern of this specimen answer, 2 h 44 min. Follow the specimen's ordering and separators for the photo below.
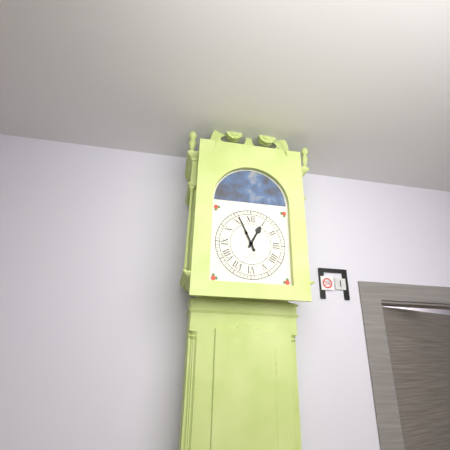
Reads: 12 h 56 min
